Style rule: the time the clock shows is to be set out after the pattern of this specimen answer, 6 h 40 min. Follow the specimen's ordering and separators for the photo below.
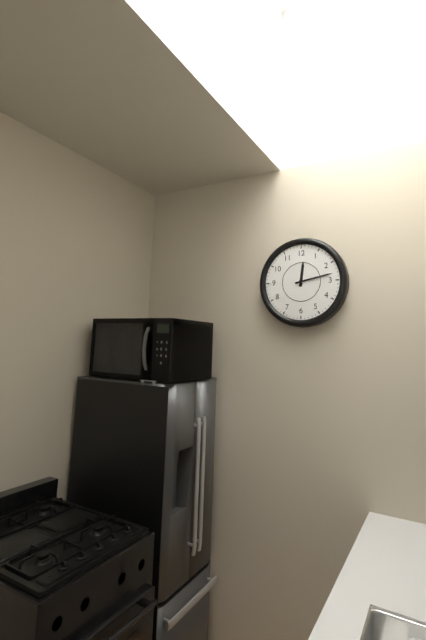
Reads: 12 h 13 min
